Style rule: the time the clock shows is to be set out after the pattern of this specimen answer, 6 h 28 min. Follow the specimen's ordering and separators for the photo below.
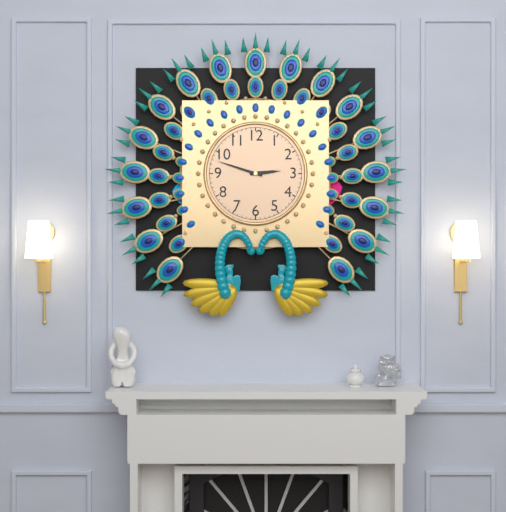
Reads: 2 h 48 min
